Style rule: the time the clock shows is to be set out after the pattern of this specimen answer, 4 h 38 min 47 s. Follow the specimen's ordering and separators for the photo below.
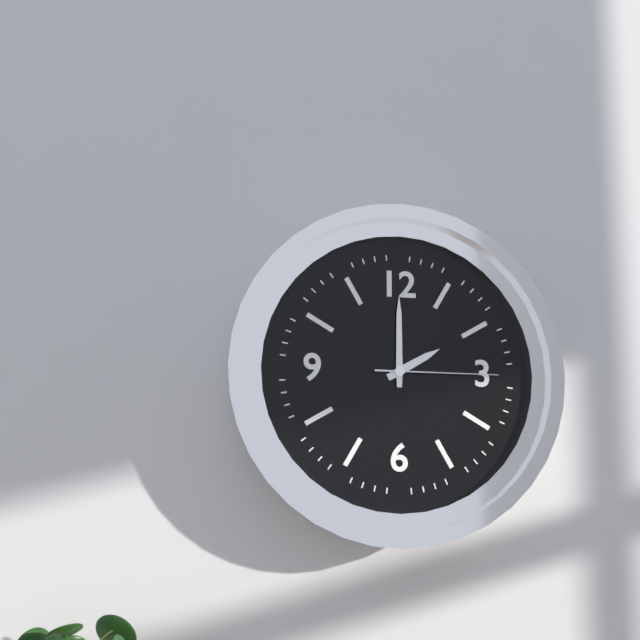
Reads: 2 h 00 min 15 s
